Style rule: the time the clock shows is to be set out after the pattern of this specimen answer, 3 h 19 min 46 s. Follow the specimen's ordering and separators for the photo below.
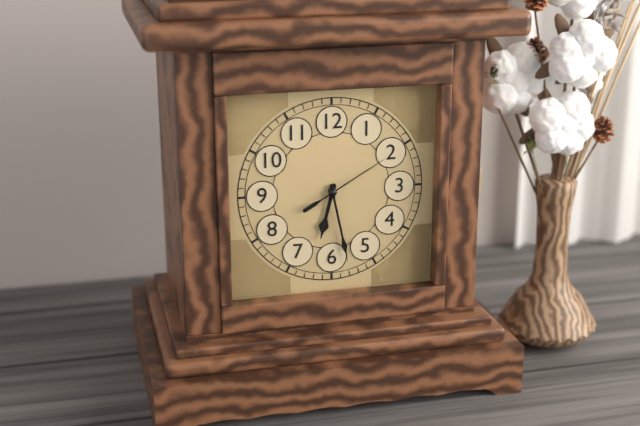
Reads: 6 h 28 min 10 s
